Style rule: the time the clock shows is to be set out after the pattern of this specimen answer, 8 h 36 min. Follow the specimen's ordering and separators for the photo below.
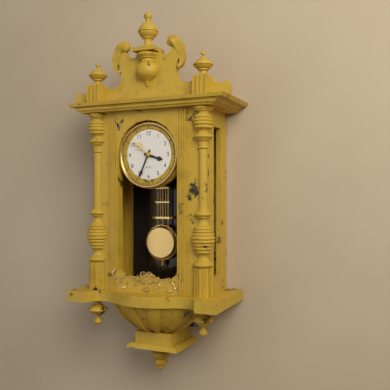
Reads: 3 h 34 min
